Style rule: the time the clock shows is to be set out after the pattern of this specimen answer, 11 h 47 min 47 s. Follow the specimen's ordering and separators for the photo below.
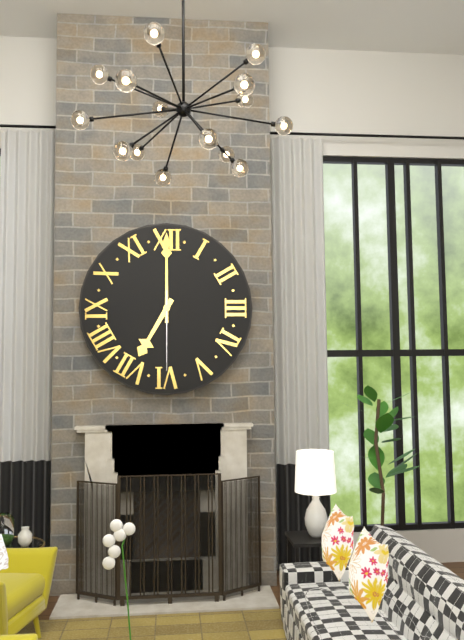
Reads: 7 h 00 min 30 s
